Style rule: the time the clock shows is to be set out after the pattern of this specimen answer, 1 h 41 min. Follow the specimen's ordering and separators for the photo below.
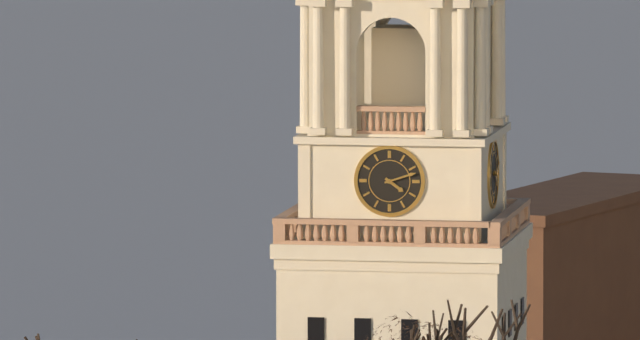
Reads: 4 h 12 min
